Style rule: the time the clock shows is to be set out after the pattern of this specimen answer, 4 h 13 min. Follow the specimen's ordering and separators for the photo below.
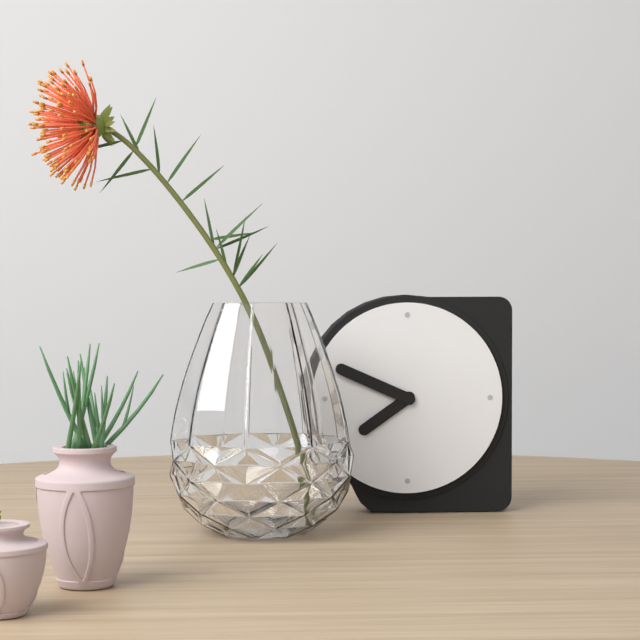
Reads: 7 h 49 min
